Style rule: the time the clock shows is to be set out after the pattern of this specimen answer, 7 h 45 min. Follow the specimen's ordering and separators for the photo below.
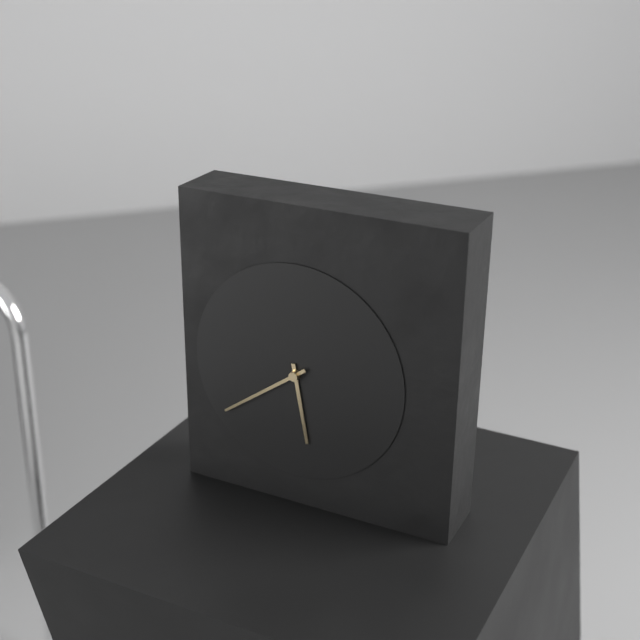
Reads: 5 h 39 min
